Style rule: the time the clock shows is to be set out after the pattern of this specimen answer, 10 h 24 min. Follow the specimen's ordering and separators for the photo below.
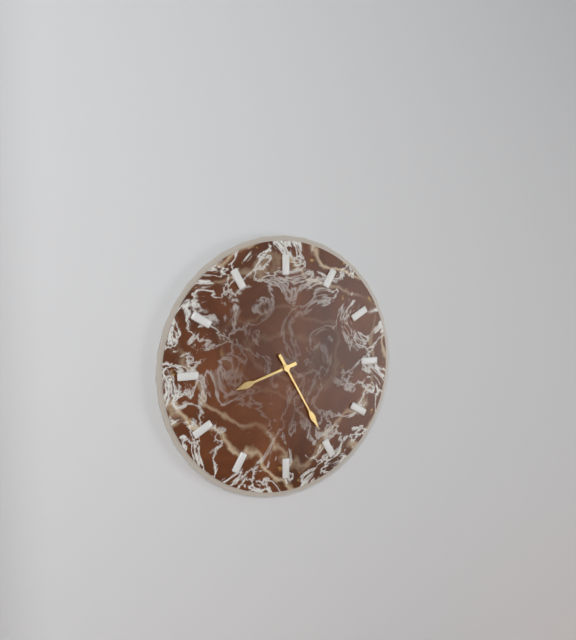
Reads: 8 h 25 min
